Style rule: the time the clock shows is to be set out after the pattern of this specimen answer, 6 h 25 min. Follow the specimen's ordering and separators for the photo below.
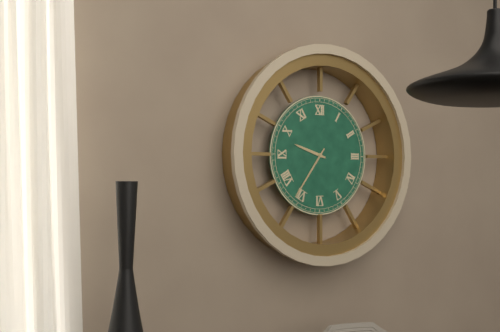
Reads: 9 h 36 min
